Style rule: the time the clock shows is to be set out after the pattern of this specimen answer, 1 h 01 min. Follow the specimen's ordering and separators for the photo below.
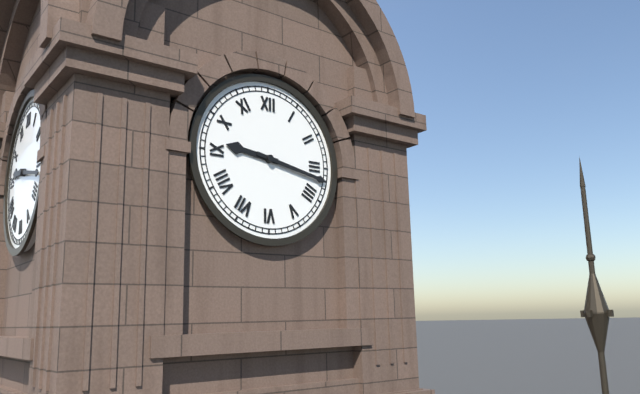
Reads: 9 h 17 min
